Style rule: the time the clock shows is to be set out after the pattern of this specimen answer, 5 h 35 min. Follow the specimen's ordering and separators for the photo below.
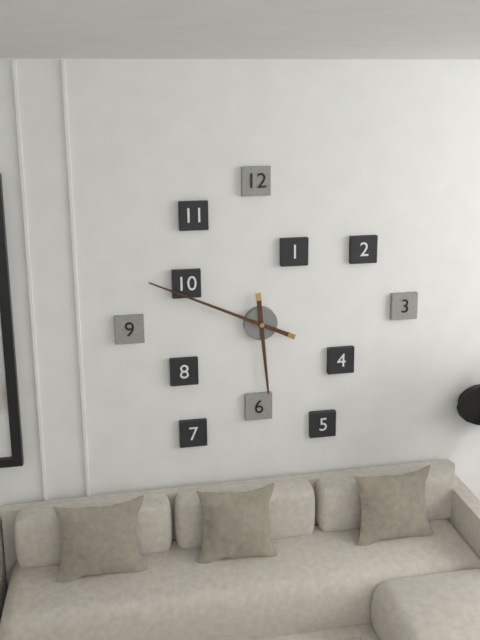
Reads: 5 h 49 min
